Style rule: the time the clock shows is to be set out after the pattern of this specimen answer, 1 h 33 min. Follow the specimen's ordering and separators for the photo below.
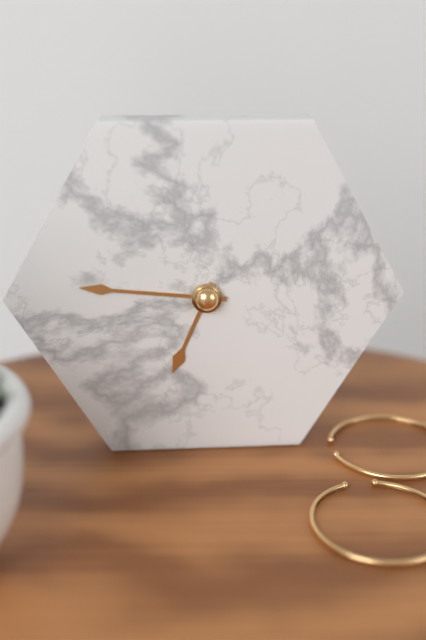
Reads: 6 h 46 min
